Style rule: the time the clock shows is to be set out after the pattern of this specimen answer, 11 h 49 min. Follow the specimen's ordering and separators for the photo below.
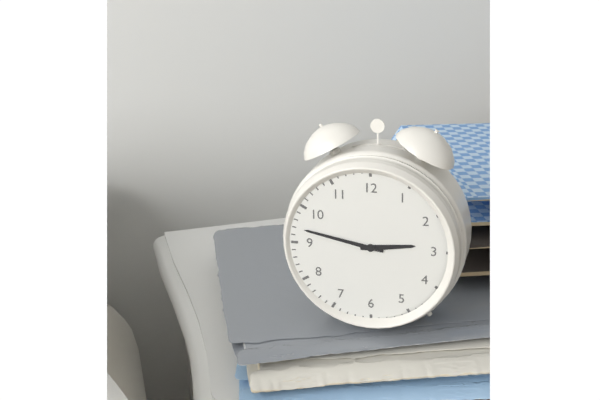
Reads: 2 h 47 min
